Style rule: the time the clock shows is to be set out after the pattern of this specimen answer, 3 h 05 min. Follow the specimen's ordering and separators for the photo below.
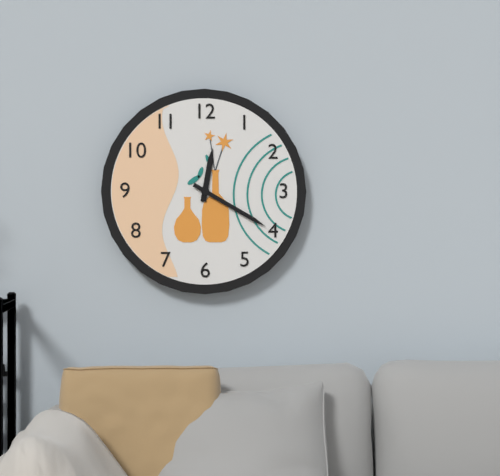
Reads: 12 h 20 min
